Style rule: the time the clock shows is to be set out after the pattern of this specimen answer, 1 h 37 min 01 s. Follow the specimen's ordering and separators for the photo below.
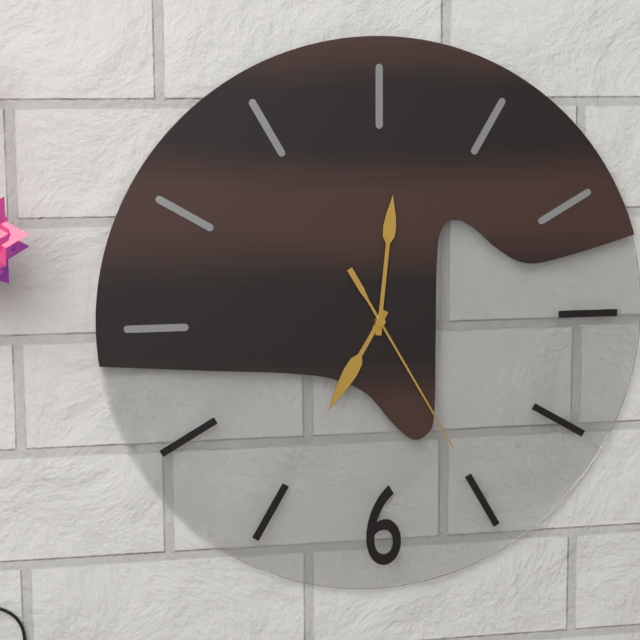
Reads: 7 h 01 min 25 s
